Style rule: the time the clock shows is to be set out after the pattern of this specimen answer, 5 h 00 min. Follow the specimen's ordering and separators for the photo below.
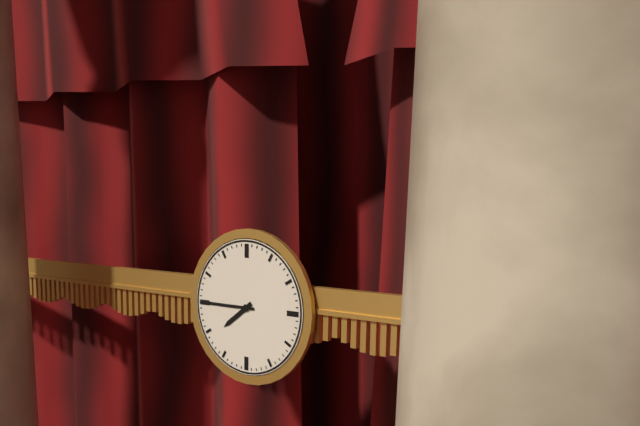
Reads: 7 h 45 min
